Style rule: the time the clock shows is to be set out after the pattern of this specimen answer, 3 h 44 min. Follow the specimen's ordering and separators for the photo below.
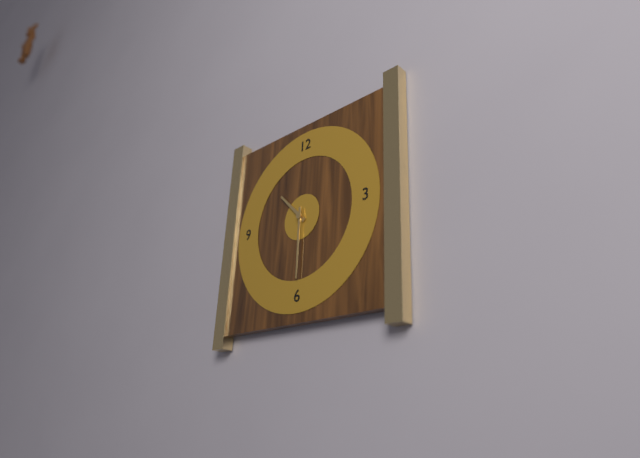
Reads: 10 h 30 min
